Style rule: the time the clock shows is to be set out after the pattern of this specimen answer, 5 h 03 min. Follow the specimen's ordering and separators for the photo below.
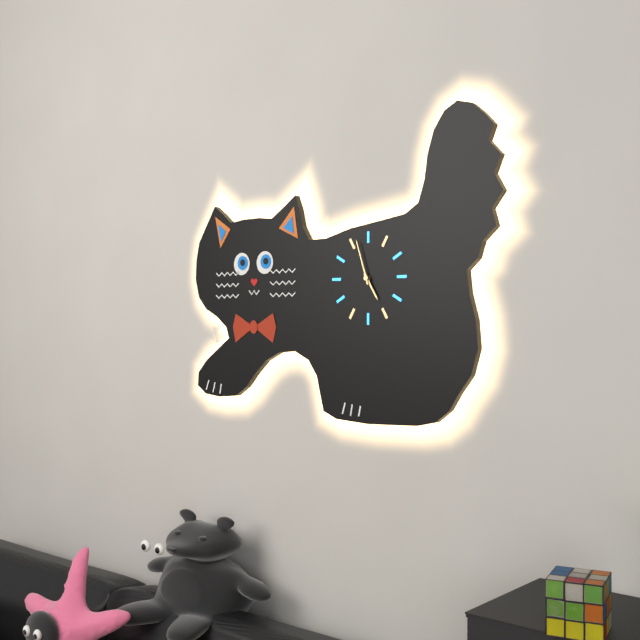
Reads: 4 h 57 min
